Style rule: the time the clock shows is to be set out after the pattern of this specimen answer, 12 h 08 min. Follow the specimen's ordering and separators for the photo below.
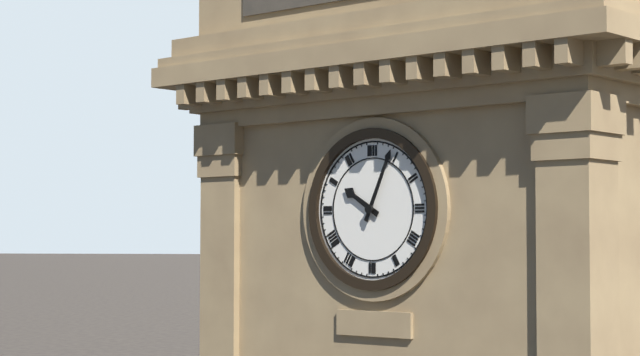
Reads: 10 h 04 min
